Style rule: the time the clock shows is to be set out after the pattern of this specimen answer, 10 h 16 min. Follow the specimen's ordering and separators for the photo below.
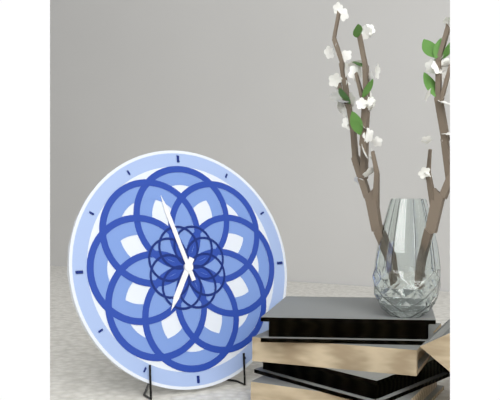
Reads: 6 h 57 min
